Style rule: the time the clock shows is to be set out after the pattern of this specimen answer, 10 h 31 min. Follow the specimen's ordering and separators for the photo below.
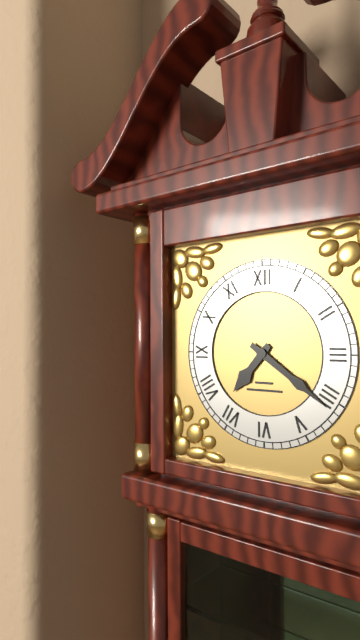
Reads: 7 h 21 min
